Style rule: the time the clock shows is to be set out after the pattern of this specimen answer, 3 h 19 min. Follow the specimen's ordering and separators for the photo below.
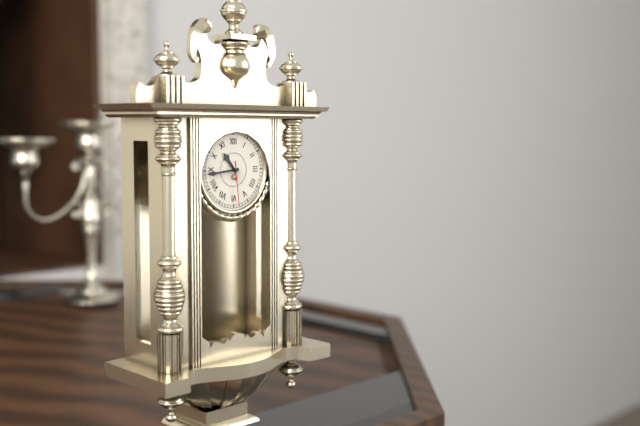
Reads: 10 h 44 min
